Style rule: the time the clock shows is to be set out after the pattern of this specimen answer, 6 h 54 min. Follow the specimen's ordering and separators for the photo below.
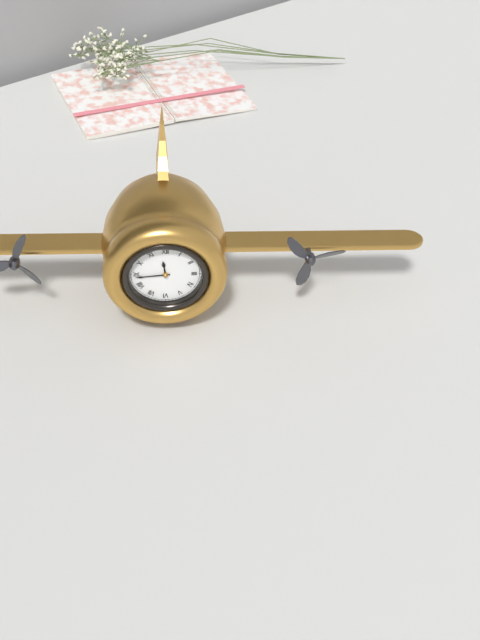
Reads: 11 h 44 min
